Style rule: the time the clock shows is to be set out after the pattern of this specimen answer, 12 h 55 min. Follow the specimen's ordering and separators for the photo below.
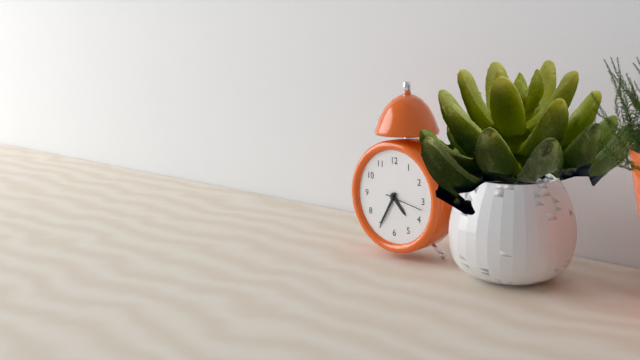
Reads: 4 h 35 min
